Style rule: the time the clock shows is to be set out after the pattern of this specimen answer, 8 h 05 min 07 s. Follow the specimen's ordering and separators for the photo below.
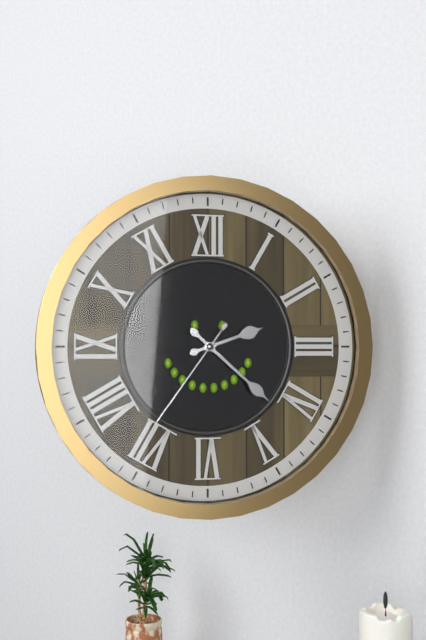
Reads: 2 h 22 min 36 s
